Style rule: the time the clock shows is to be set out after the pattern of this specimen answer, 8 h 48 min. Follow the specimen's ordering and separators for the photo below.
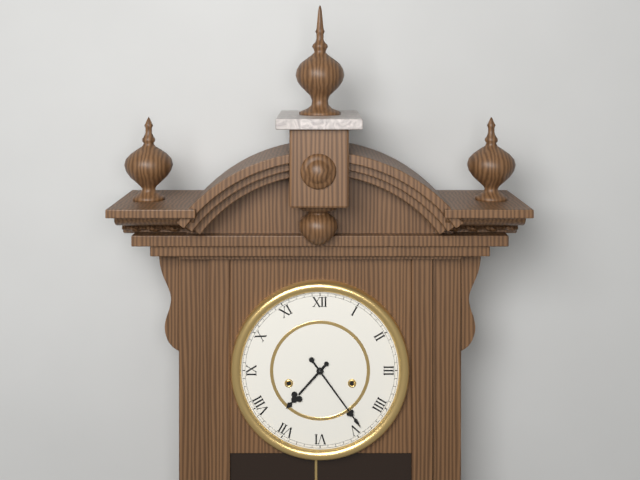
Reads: 7 h 24 min
